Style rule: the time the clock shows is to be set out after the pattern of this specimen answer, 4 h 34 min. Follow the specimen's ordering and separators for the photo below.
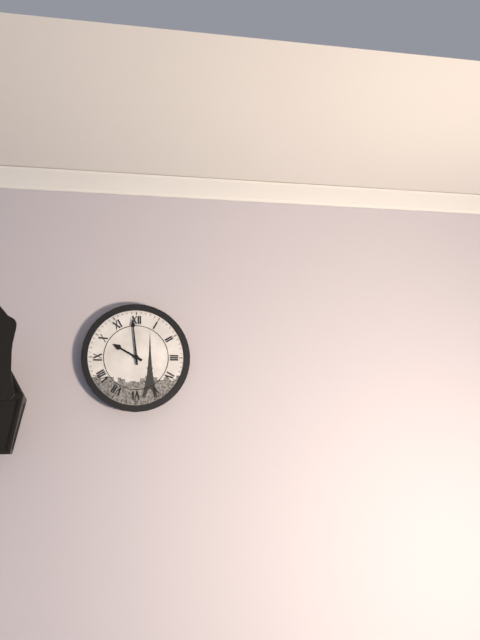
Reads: 9 h 59 min
